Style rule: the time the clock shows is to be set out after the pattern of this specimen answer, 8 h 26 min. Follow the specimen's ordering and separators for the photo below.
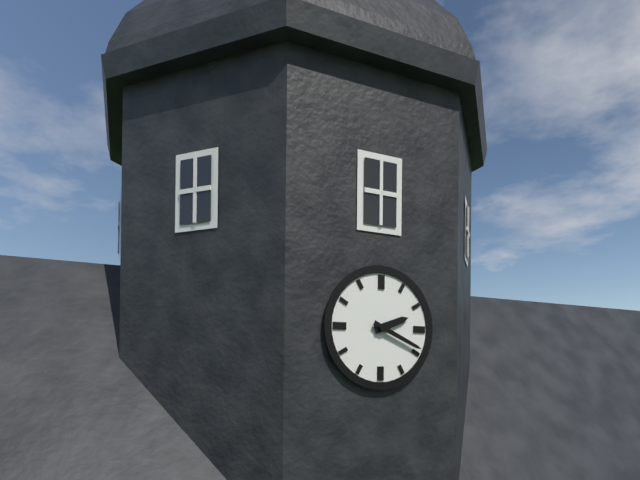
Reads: 2 h 19 min
